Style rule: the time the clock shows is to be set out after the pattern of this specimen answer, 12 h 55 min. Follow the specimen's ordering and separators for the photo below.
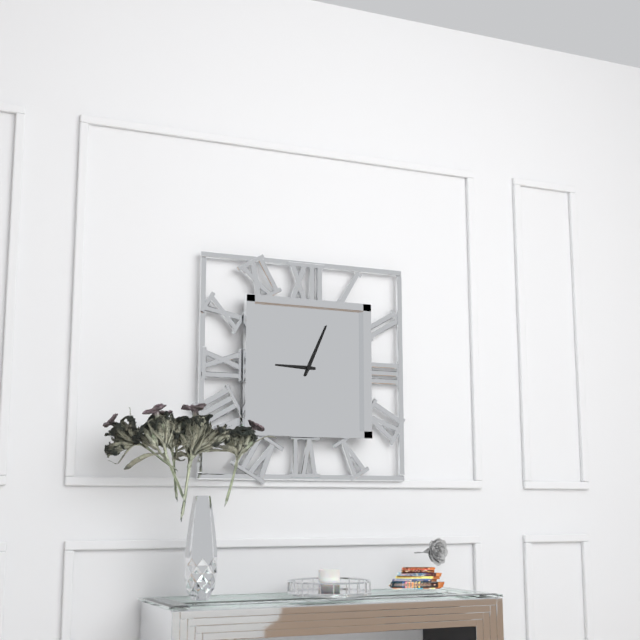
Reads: 9 h 04 min
